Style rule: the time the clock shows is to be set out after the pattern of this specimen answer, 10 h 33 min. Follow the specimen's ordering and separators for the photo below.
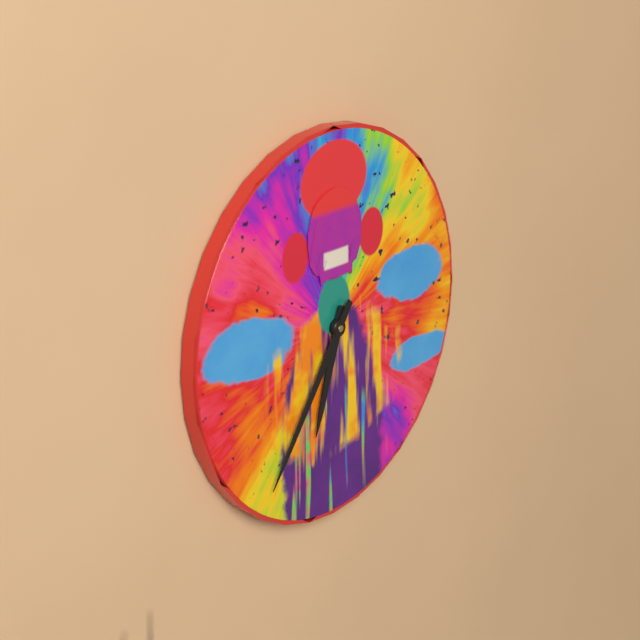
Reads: 6 h 36 min
